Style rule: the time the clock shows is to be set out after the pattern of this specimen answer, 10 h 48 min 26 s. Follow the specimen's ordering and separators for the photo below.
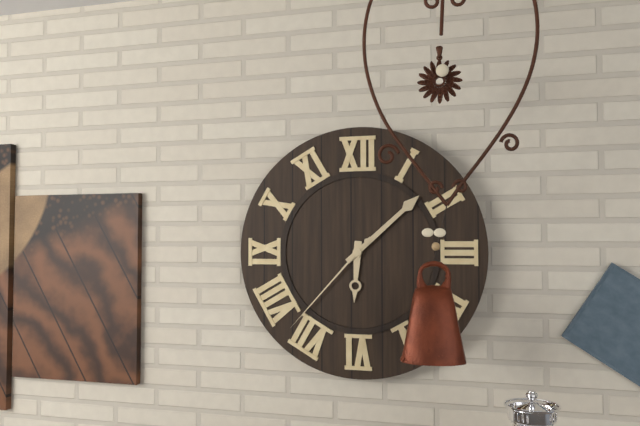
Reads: 6 h 08 min 37 s
